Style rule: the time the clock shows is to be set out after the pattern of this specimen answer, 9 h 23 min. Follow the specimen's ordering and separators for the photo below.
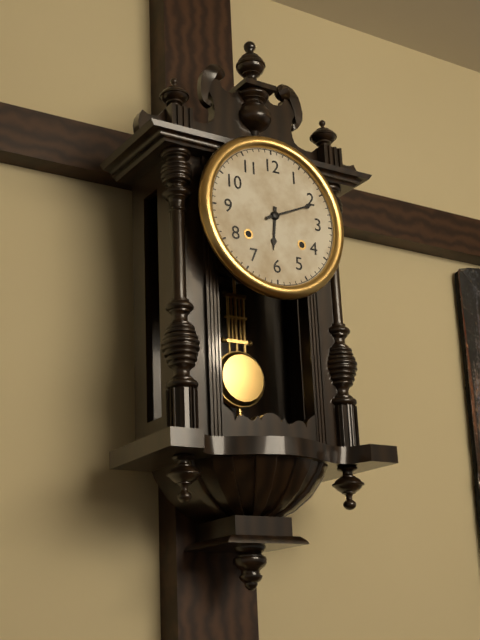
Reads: 6 h 11 min
